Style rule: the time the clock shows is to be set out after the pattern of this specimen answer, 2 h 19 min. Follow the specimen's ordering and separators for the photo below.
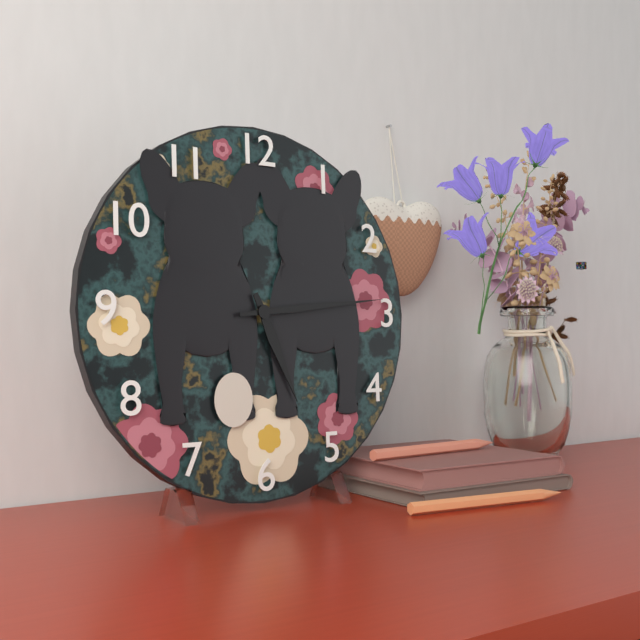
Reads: 5 h 14 min
